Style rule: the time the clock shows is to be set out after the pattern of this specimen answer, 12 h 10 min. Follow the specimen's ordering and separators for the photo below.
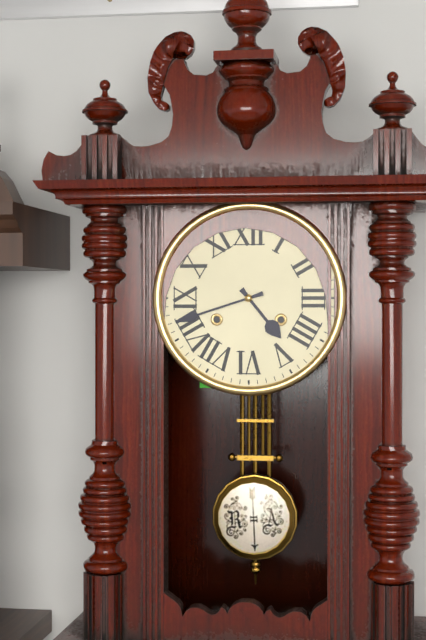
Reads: 4 h 42 min
